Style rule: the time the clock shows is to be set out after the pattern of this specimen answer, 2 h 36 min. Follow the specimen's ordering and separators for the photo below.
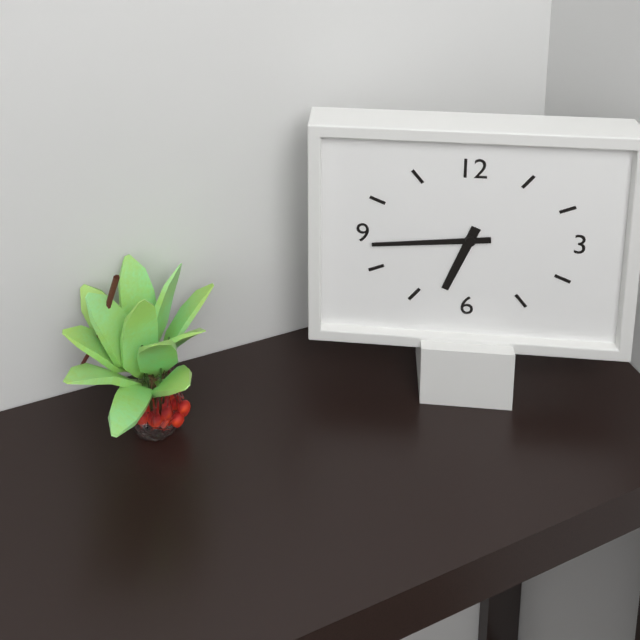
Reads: 6 h 44 min
